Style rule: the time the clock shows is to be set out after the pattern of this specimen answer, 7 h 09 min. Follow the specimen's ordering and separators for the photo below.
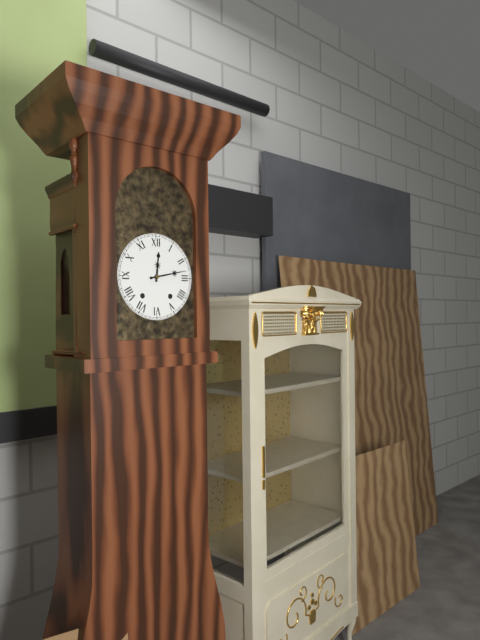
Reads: 12 h 13 min
